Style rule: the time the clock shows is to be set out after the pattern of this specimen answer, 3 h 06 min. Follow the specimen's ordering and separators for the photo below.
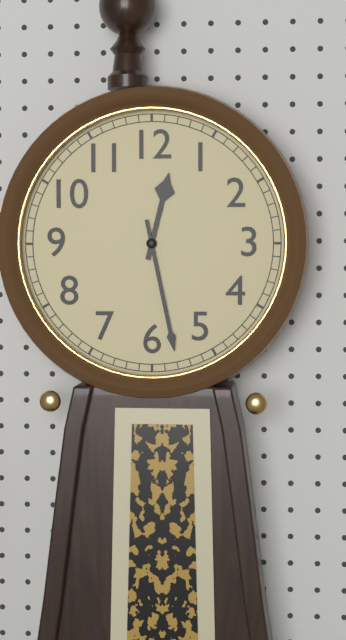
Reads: 12 h 28 min
